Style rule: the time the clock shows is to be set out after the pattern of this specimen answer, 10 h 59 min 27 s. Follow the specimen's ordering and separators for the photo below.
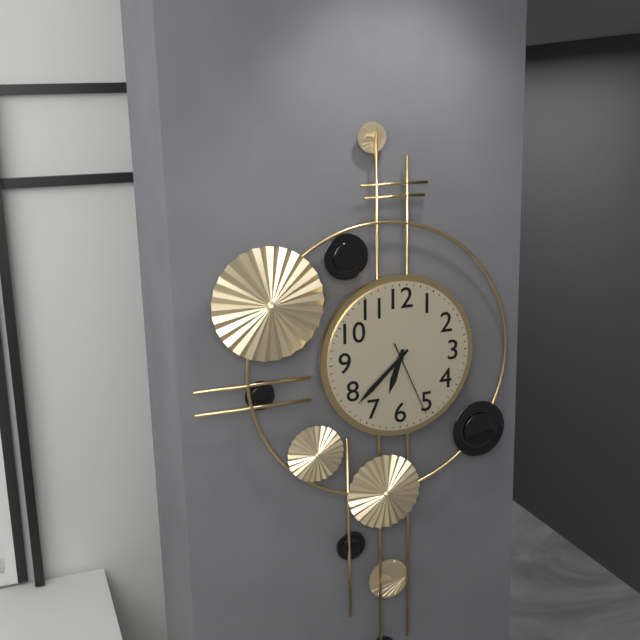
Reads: 6 h 38 min 26 s
